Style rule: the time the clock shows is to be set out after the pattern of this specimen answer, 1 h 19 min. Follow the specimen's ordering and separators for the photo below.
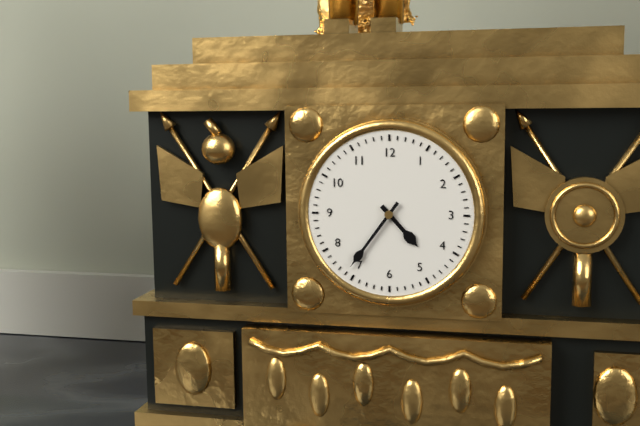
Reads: 4 h 36 min
